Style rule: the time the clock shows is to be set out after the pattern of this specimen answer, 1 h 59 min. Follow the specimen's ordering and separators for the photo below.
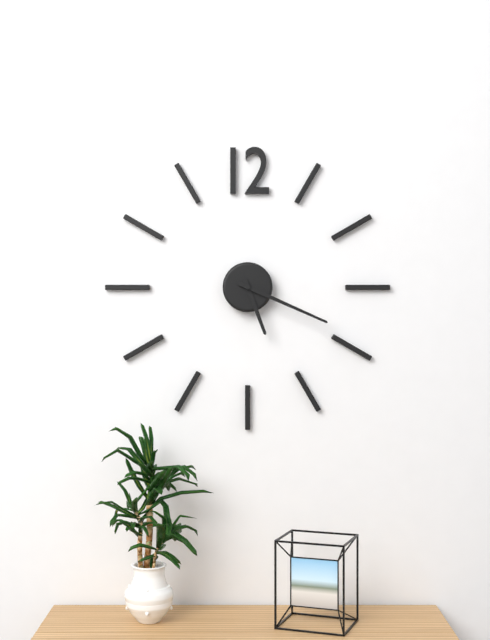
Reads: 5 h 19 min
